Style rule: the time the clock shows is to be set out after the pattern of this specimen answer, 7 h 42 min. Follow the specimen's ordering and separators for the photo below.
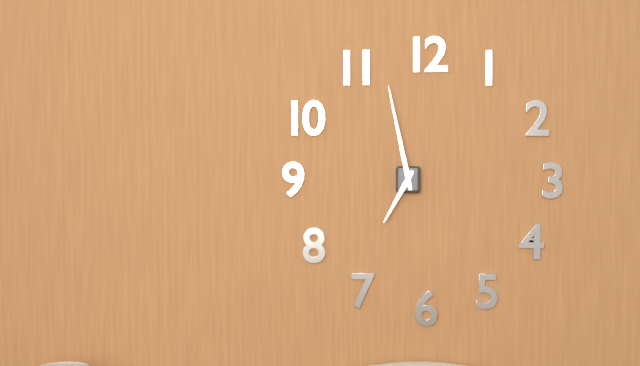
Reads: 6 h 58 min
